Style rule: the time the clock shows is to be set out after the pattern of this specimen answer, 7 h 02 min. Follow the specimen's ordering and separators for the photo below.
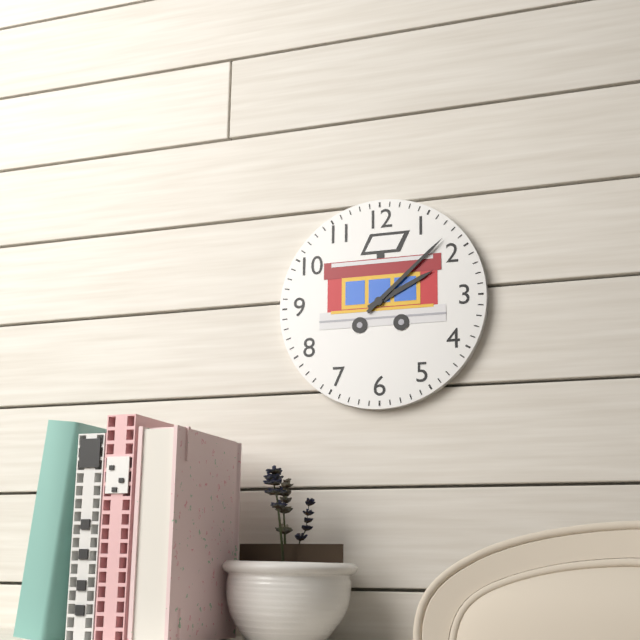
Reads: 2 h 08 min
